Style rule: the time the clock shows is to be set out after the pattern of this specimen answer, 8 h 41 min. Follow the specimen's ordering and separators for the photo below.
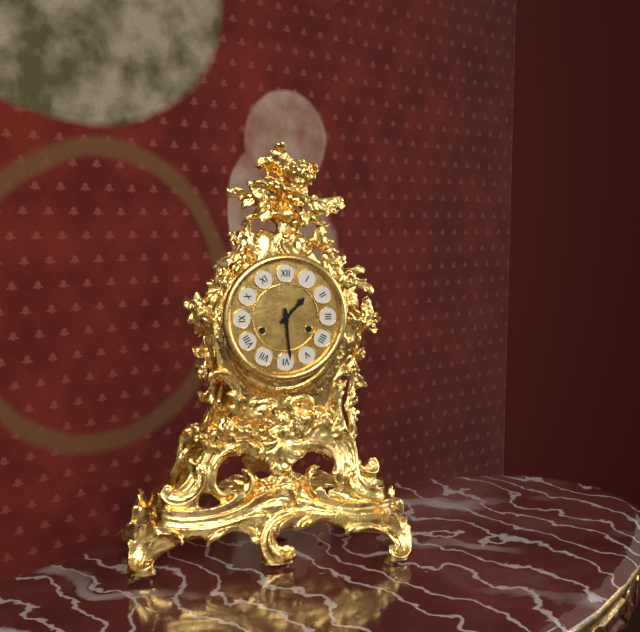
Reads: 1 h 29 min
